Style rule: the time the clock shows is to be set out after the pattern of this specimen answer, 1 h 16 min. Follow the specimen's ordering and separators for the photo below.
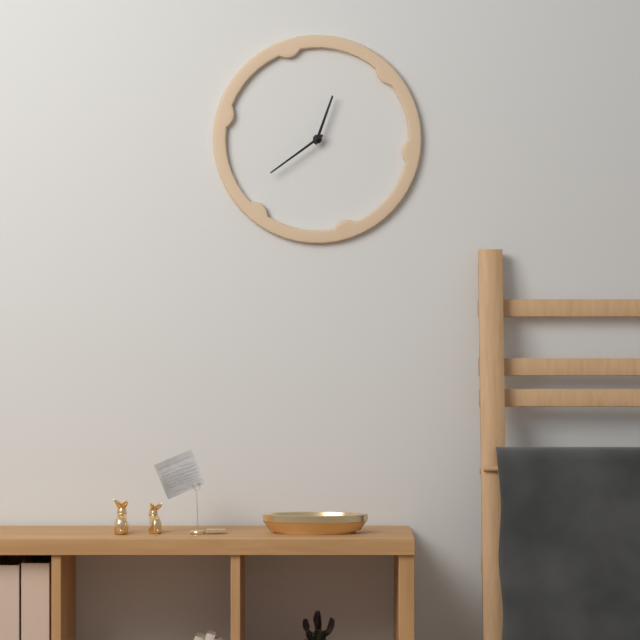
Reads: 12 h 39 min
